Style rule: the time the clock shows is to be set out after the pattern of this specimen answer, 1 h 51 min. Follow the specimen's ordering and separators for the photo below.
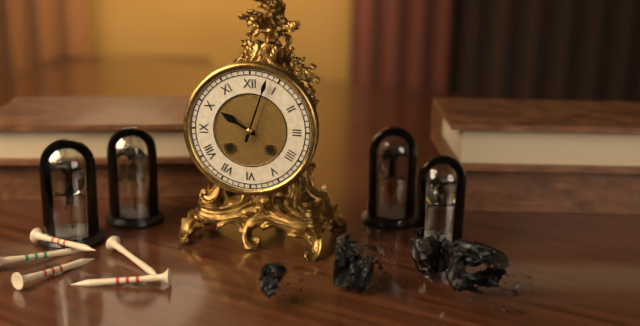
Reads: 10 h 03 min
